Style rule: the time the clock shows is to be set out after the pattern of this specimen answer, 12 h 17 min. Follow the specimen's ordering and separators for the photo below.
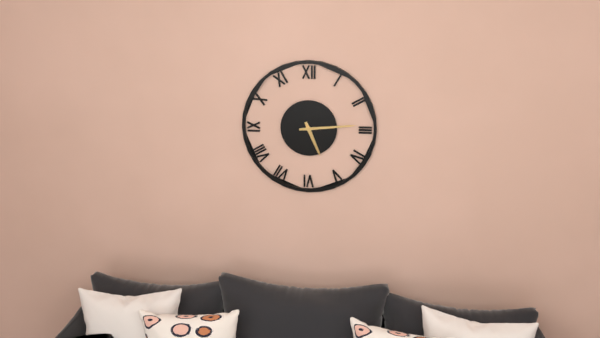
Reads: 5 h 14 min
